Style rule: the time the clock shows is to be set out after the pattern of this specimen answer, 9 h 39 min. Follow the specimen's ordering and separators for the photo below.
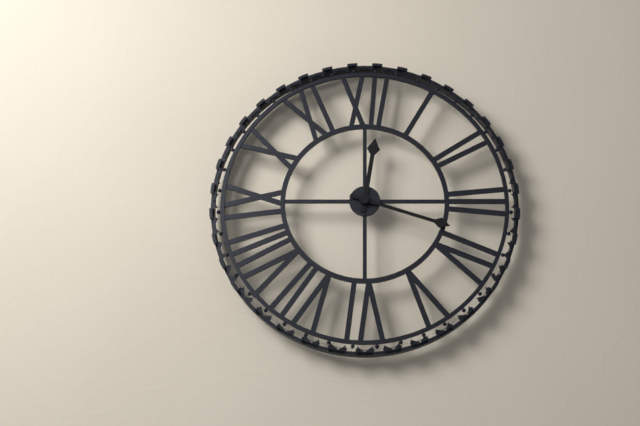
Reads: 12 h 18 min
